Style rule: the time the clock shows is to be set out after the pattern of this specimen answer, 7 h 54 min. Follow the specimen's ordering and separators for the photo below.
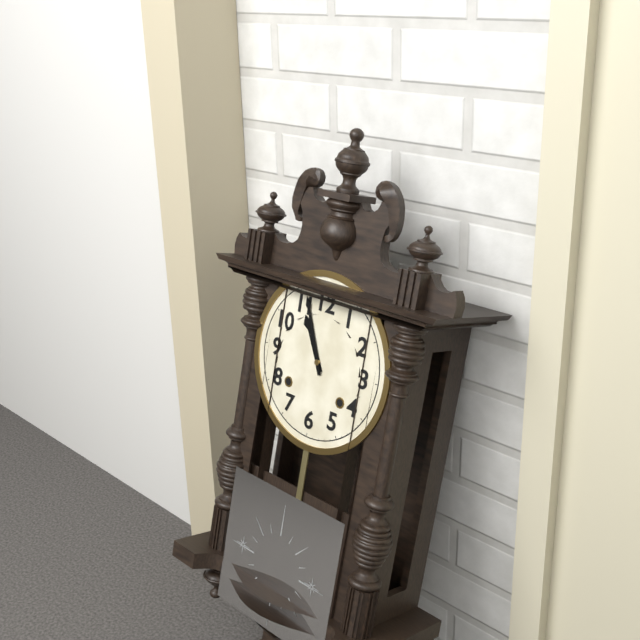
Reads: 10 h 56 min
